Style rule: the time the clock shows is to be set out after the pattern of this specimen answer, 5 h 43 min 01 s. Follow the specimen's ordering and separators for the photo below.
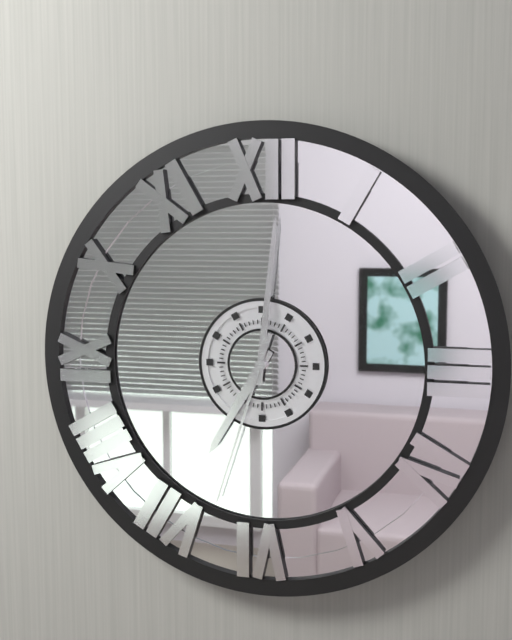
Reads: 7 h 01 min 33 s
